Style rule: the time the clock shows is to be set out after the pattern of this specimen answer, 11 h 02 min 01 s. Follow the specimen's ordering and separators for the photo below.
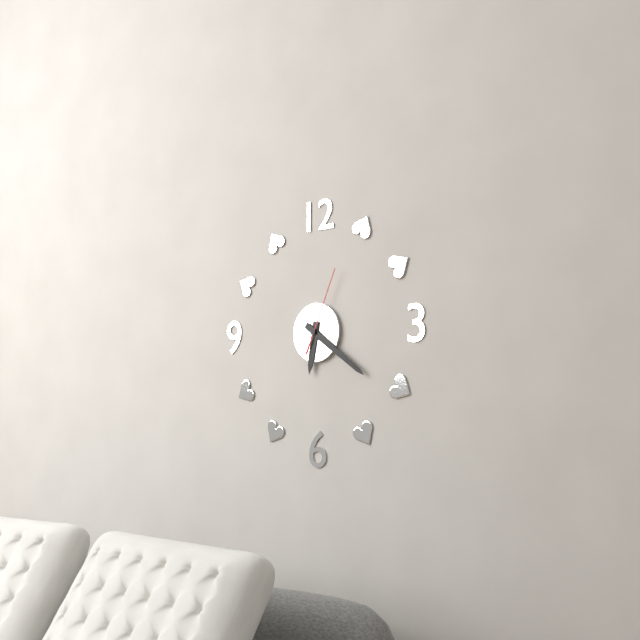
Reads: 6 h 21 min 04 s
